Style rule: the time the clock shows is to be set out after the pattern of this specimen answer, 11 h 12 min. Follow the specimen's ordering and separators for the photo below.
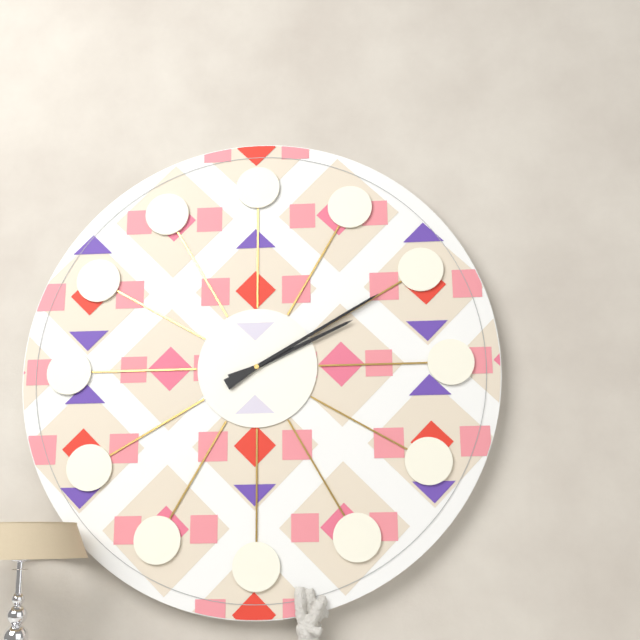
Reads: 2 h 10 min
